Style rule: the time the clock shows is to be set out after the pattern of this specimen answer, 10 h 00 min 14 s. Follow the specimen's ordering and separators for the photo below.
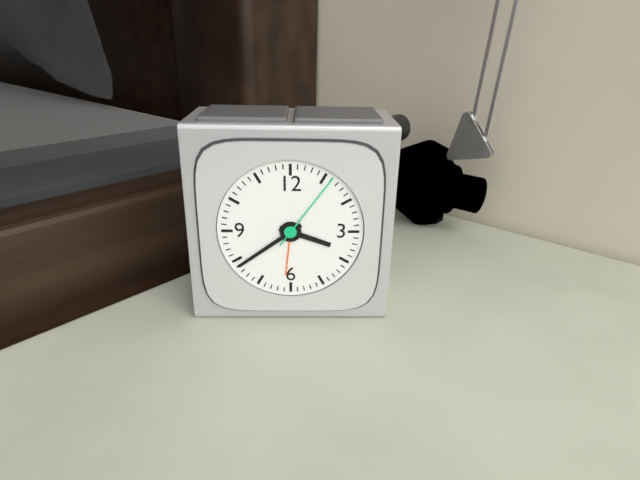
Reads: 3 h 39 min 06 s
